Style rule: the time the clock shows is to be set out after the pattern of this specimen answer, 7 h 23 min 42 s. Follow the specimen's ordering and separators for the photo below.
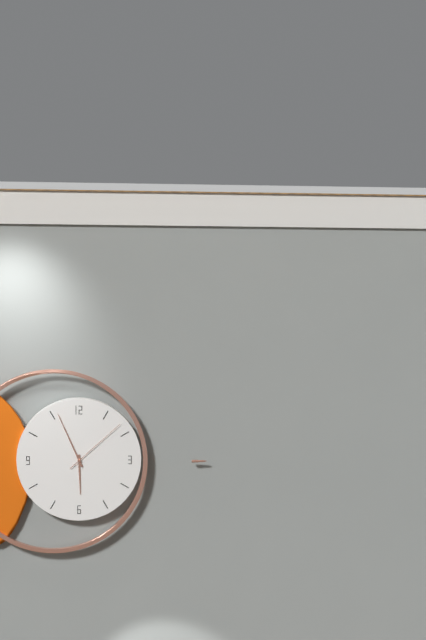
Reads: 5 h 56 min 08 s
